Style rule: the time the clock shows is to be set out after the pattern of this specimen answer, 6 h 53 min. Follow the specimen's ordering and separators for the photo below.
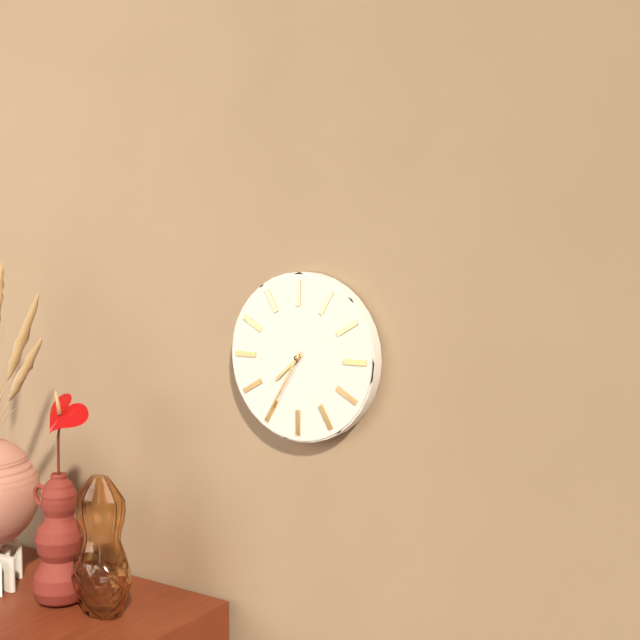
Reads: 7 h 35 min
